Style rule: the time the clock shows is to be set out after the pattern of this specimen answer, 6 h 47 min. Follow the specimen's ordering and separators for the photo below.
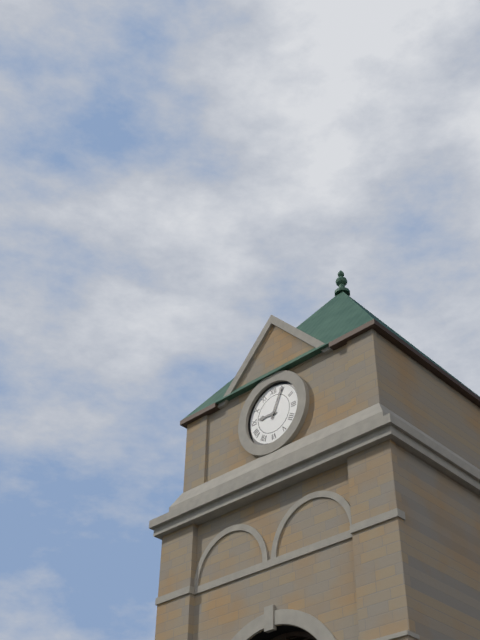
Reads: 9 h 04 min
